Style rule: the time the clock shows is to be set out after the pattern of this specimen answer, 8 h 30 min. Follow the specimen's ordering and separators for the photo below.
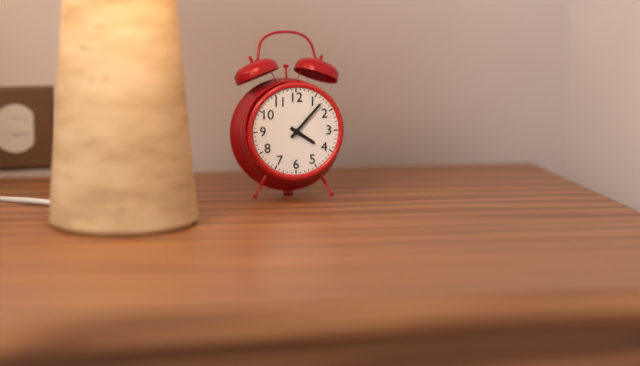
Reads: 4 h 07 min
